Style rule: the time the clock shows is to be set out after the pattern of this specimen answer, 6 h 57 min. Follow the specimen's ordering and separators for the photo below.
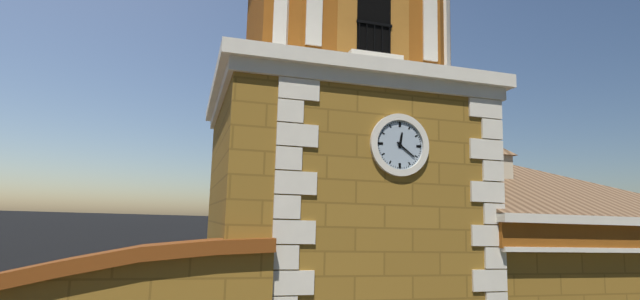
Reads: 12 h 21 min
